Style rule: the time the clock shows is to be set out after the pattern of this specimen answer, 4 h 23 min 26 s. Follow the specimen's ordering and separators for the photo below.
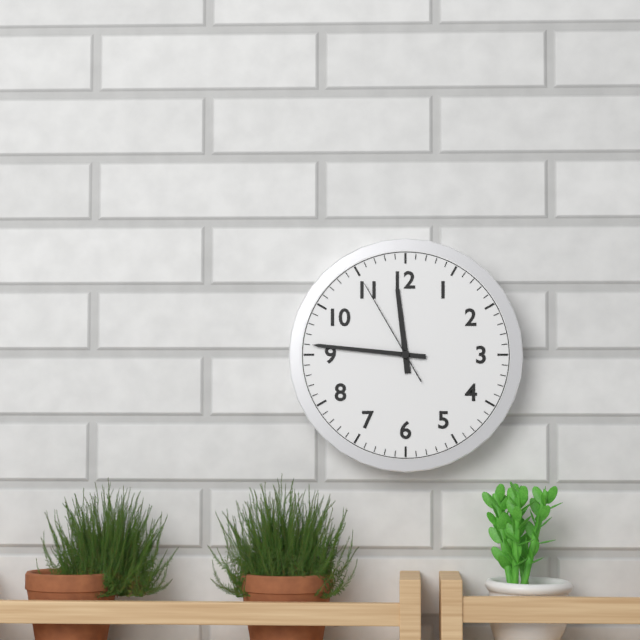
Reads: 11 h 46 min 55 s
